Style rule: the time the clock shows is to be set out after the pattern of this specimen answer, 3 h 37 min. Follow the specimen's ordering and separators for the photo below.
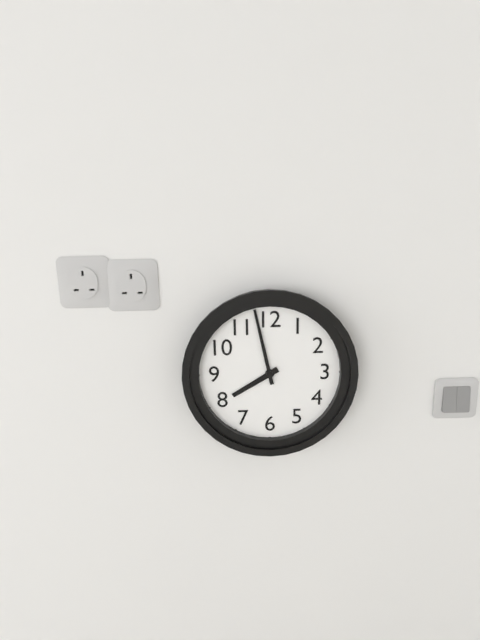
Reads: 7 h 58 min
